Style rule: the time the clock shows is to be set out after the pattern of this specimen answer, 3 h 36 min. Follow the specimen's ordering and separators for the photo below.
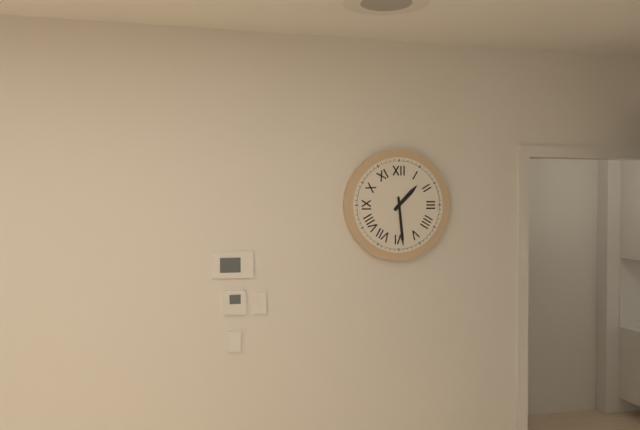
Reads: 1 h 29 min
